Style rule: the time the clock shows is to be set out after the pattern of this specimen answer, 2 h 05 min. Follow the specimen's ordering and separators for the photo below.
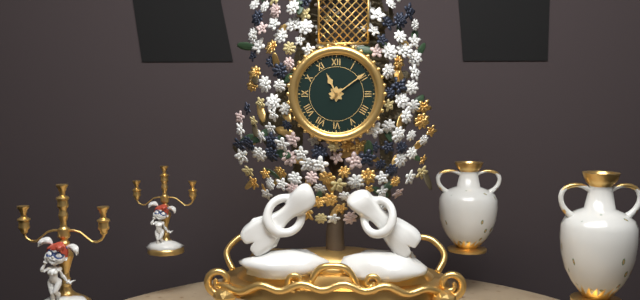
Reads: 11 h 09 min
